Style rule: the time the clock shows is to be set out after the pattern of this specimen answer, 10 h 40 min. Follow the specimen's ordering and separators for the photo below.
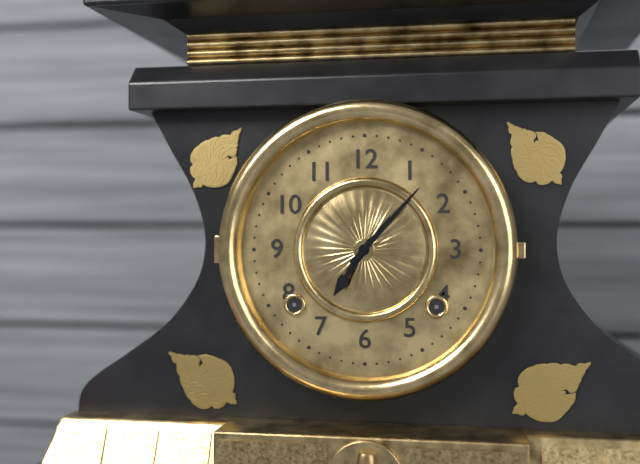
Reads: 7 h 07 min
